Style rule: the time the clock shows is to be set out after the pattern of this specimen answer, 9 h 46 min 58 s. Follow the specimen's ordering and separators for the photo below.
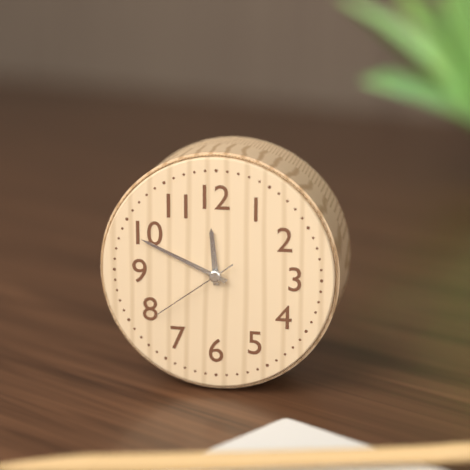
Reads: 11 h 49 min 39 s
